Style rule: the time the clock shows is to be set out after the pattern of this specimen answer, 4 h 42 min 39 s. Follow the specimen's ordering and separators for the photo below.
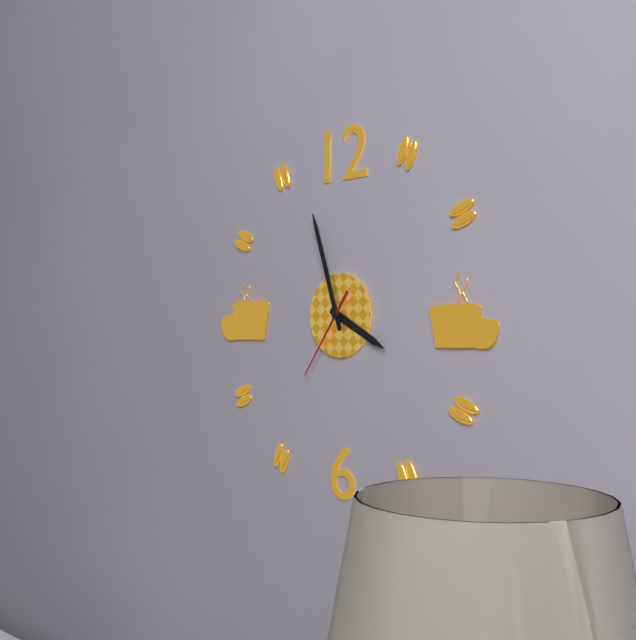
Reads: 3 h 57 min 36 s
